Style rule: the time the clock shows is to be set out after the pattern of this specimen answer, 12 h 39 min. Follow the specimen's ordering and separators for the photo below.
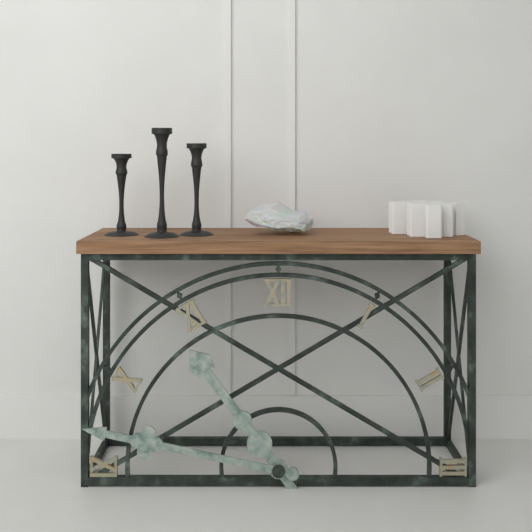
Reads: 10 h 47 min
